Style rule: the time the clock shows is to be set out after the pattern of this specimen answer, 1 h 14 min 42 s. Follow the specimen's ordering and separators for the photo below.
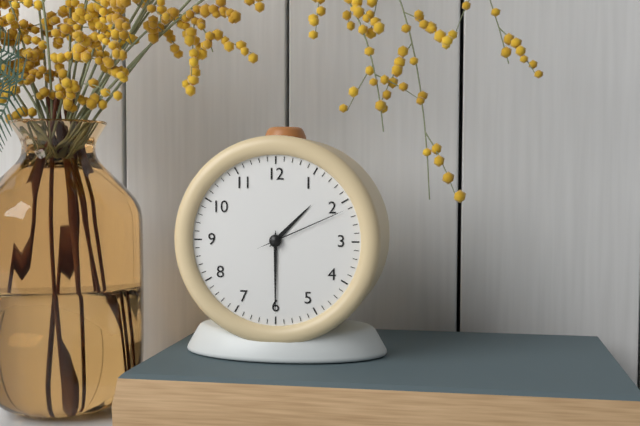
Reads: 1 h 30 min 11 s
